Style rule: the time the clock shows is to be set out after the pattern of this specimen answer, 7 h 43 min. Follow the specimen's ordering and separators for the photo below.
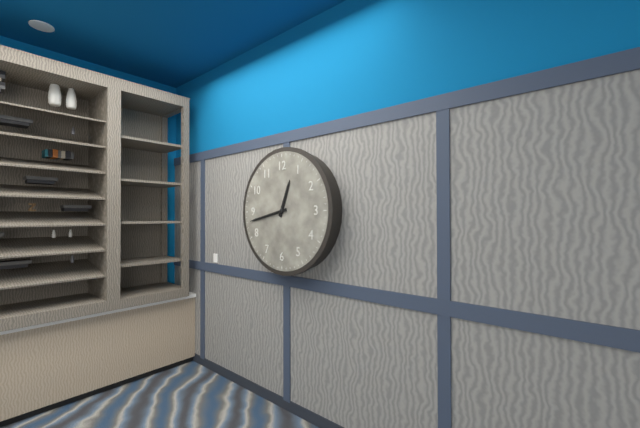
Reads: 12 h 43 min
